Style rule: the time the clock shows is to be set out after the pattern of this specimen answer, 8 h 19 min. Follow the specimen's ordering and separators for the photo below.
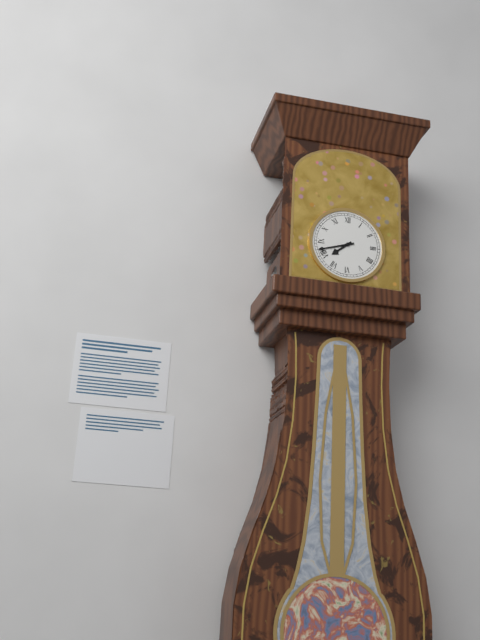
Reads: 7 h 42 min
